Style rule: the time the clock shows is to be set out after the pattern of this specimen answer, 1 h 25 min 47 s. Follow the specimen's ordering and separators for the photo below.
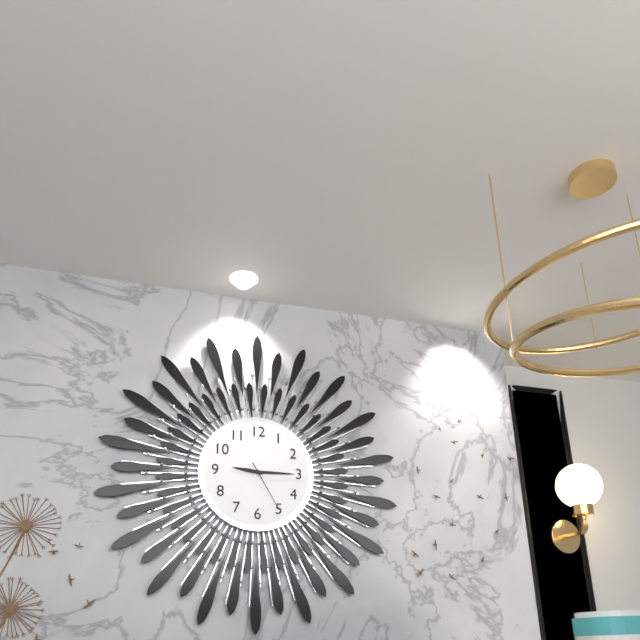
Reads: 9 h 15 min 25 s
